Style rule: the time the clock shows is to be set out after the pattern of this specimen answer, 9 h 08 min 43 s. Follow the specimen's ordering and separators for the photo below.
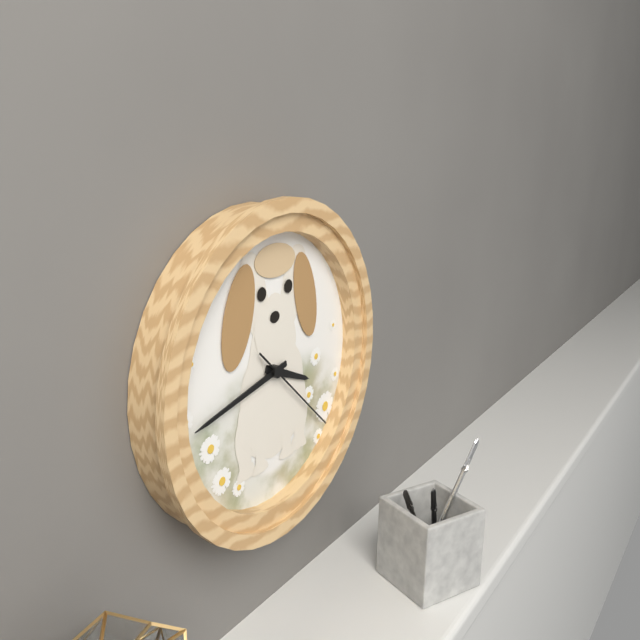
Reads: 3 h 43 min 22 s
